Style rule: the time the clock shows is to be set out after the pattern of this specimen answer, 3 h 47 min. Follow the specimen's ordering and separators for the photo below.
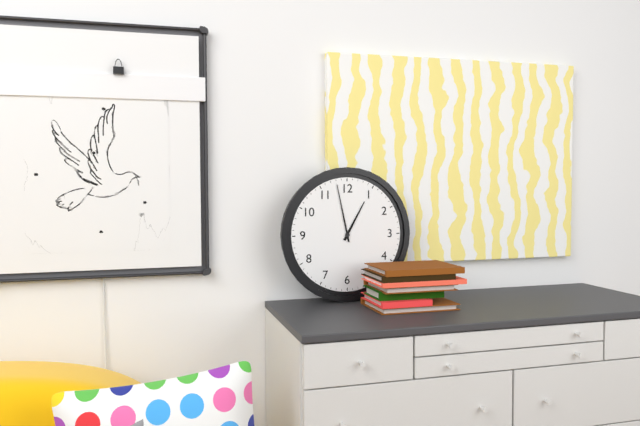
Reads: 12 h 58 min
